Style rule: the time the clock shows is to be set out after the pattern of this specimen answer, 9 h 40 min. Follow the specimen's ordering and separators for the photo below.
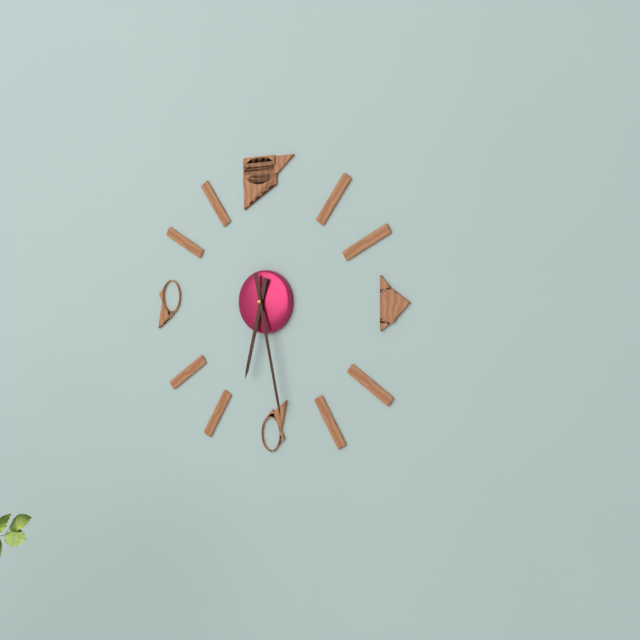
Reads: 6 h 28 min
